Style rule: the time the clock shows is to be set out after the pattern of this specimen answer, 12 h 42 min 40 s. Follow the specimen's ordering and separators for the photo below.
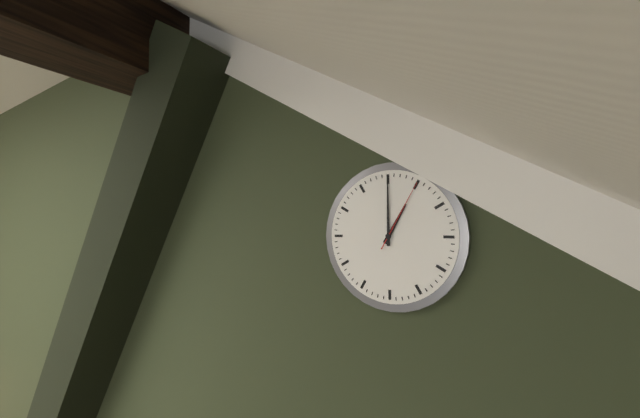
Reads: 1 h 00 min 05 s
